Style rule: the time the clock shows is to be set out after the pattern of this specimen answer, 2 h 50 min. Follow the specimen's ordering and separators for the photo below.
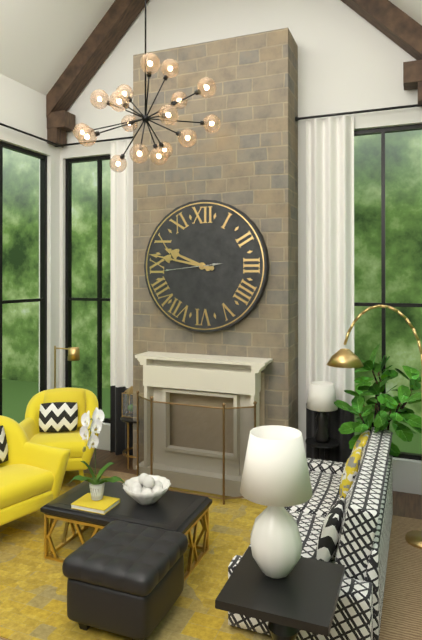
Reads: 9 h 47 min
